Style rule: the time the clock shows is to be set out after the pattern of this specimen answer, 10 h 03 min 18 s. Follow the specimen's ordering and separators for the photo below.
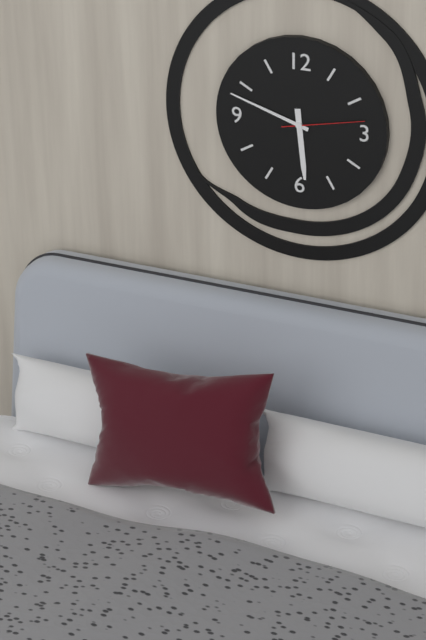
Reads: 5 h 48 min 13 s
